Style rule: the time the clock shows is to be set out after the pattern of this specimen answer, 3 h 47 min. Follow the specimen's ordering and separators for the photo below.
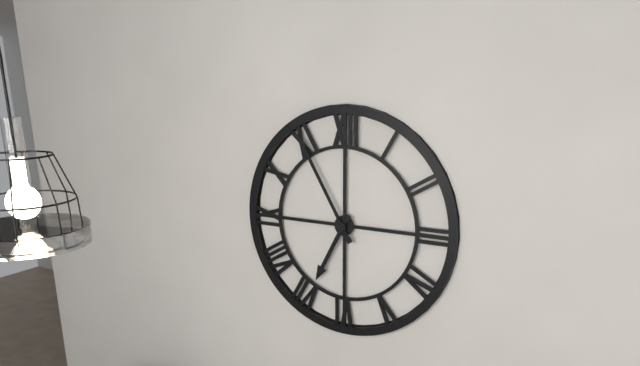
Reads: 6 h 55 min
